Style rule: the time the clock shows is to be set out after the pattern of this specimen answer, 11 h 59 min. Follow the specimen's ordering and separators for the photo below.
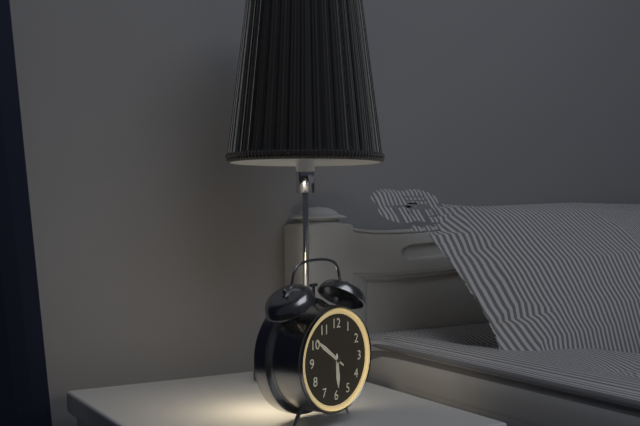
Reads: 5 h 51 min
